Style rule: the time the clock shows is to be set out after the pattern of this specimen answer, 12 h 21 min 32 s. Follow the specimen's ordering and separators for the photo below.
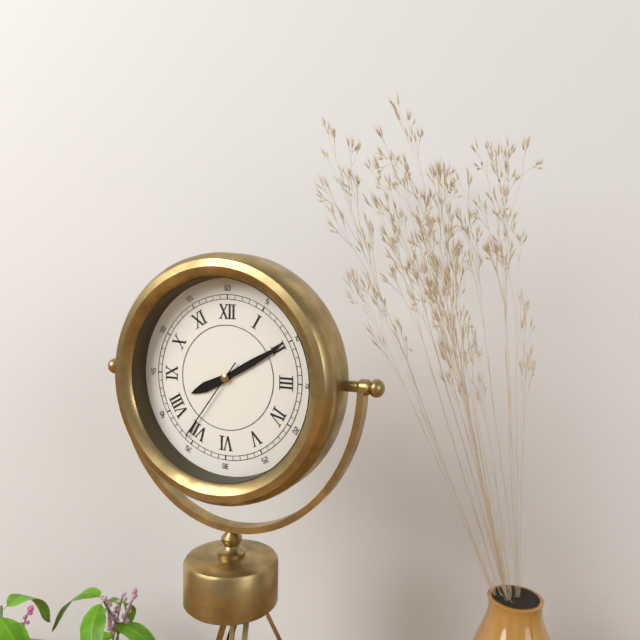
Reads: 8 h 10 min 36 s
